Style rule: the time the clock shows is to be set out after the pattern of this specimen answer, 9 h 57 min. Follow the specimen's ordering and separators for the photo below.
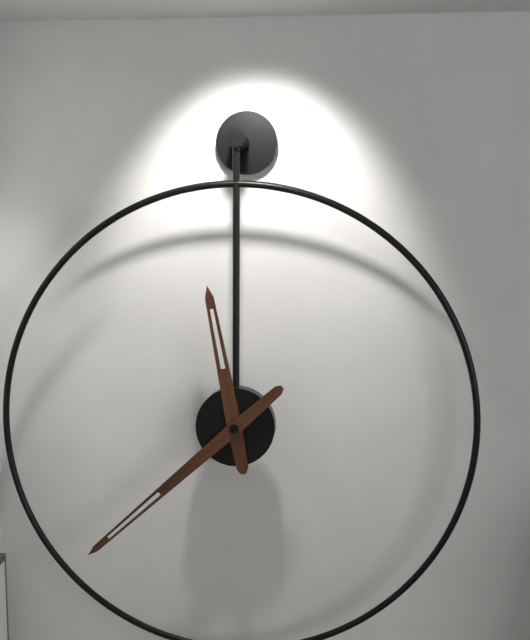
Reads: 11 h 38 min
